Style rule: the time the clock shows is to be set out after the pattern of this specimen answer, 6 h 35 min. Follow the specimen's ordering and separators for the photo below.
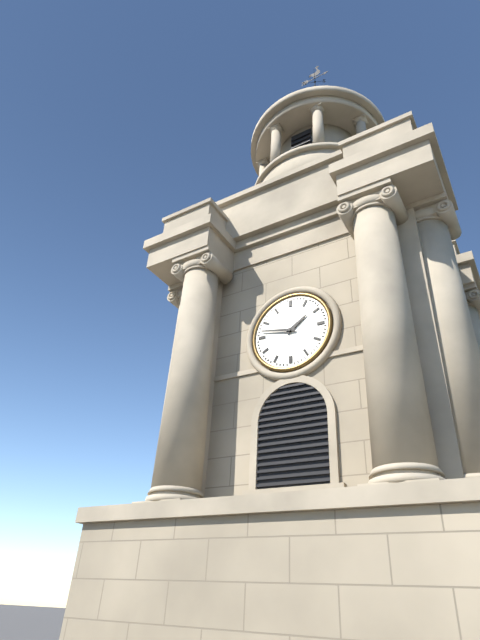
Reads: 1 h 47 min
